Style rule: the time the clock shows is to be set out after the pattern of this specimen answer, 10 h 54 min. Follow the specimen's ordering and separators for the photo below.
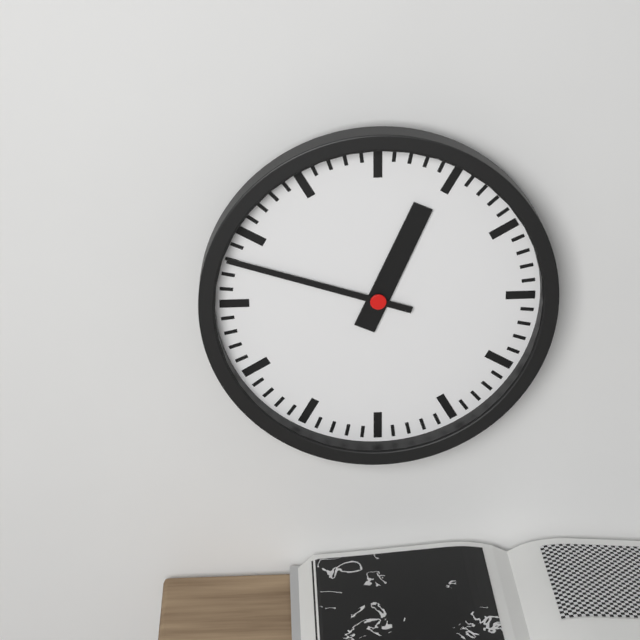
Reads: 12 h 48 min
